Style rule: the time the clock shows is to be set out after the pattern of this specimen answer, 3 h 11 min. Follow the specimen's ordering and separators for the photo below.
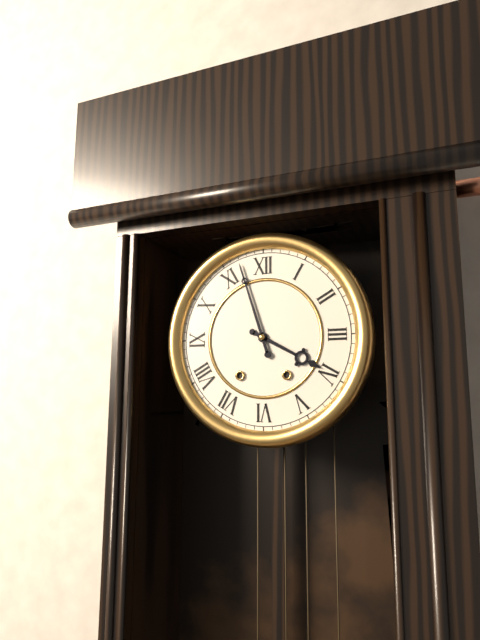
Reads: 3 h 57 min
